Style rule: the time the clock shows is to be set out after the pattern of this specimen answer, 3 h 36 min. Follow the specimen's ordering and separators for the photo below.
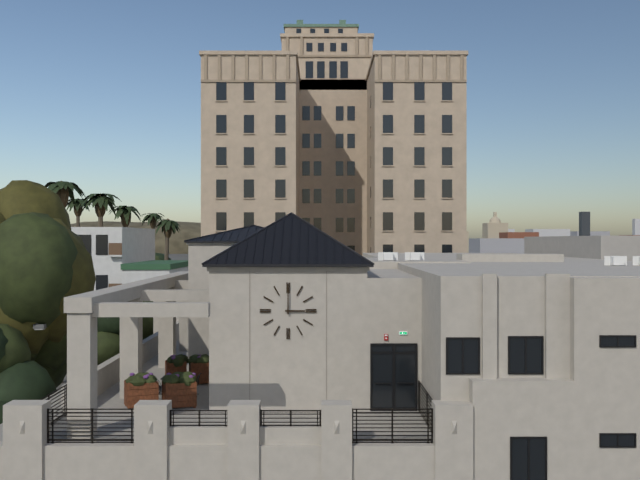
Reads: 3 h 00 min
